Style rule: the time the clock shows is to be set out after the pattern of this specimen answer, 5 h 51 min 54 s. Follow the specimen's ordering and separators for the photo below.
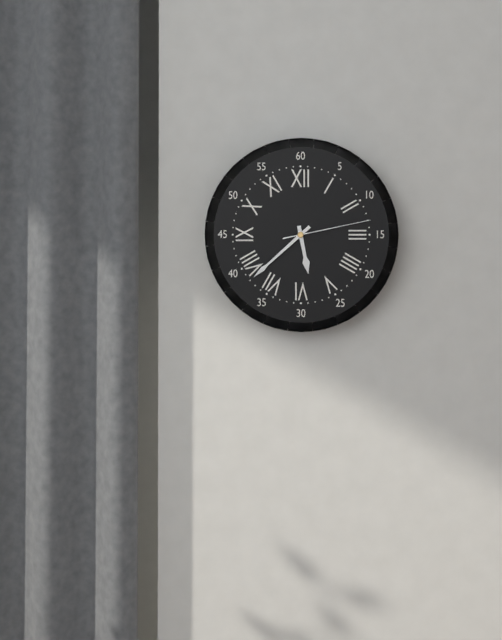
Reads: 5 h 38 min 13 s
